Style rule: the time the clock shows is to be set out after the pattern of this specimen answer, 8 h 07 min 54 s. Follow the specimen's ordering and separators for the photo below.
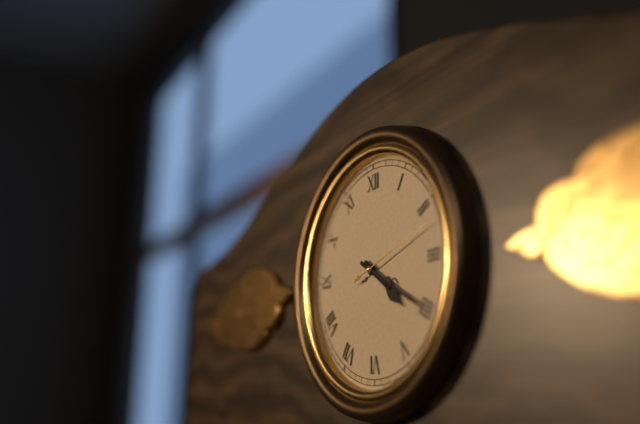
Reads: 4 h 20 min 12 s
